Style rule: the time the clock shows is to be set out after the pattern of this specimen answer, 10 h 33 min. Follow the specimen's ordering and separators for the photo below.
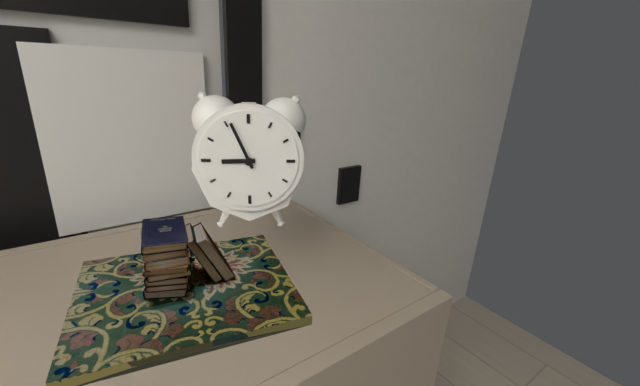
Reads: 8 h 56 min
